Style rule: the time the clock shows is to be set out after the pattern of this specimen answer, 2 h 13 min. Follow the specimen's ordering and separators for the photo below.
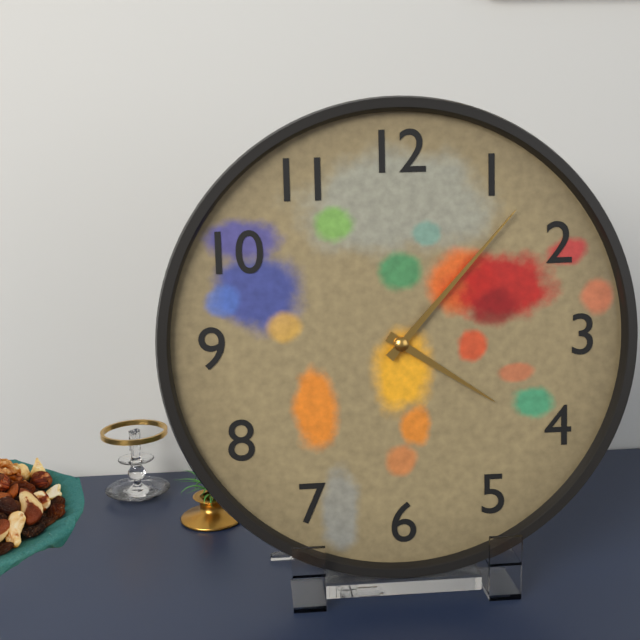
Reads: 4 h 07 min
